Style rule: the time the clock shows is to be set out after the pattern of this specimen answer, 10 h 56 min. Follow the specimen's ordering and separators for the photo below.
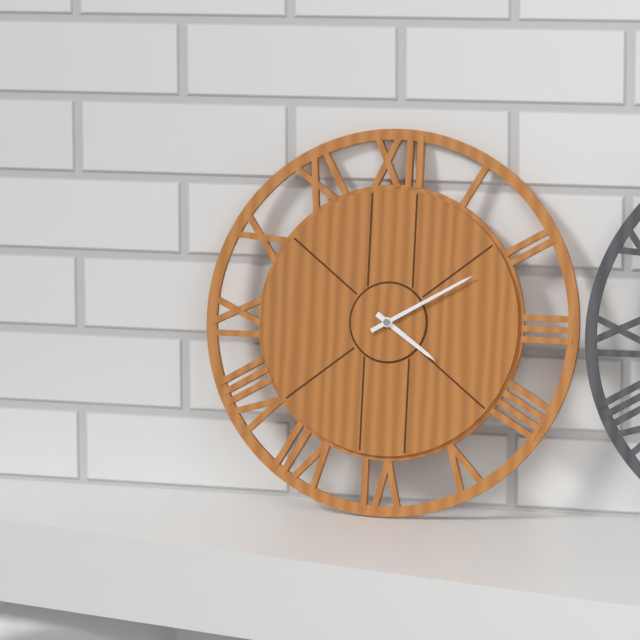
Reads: 4 h 10 min
